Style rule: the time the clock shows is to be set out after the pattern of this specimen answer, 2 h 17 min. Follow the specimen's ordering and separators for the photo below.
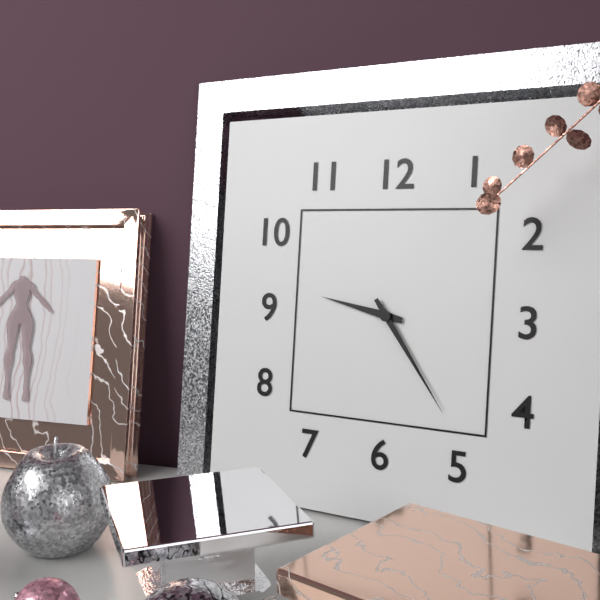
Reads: 9 h 24 min
